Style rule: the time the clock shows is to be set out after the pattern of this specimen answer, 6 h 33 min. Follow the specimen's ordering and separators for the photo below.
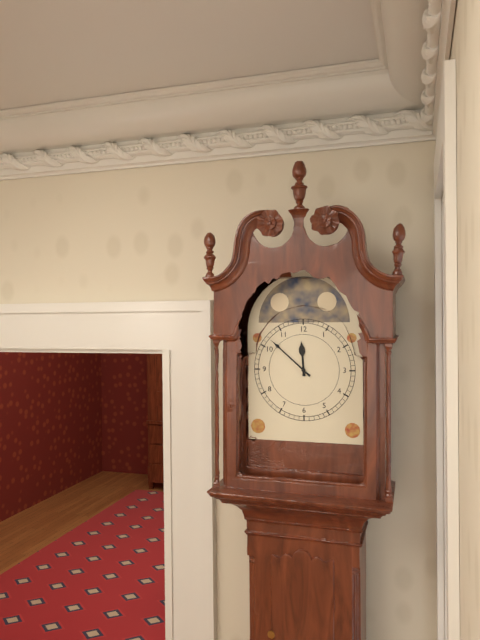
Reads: 11 h 52 min
